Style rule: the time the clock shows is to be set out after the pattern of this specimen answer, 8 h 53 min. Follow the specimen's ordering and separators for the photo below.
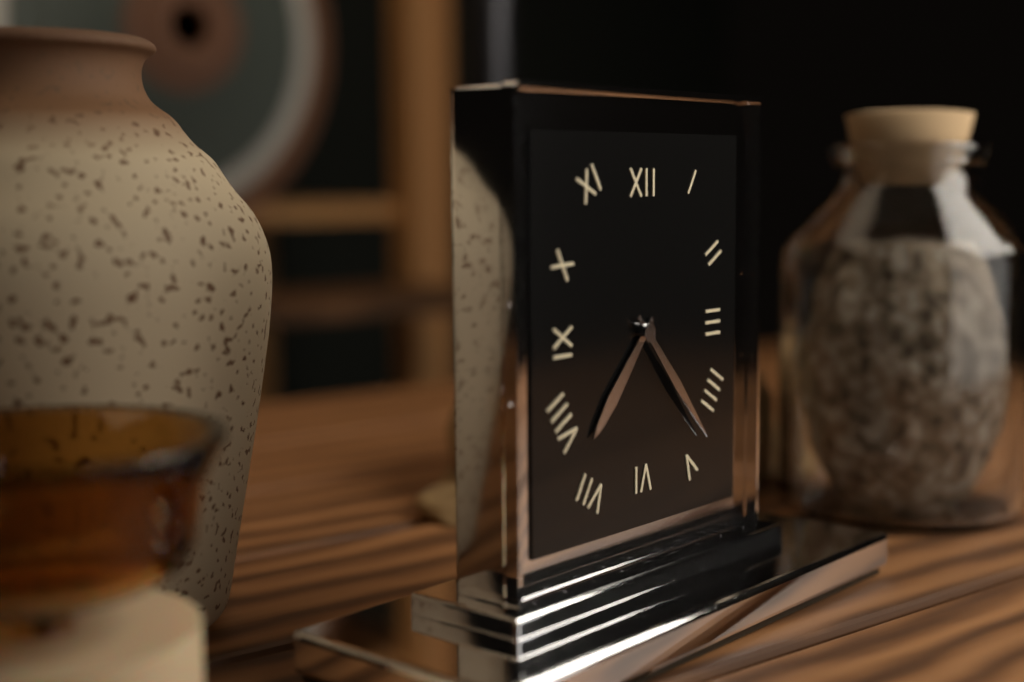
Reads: 7 h 23 min
